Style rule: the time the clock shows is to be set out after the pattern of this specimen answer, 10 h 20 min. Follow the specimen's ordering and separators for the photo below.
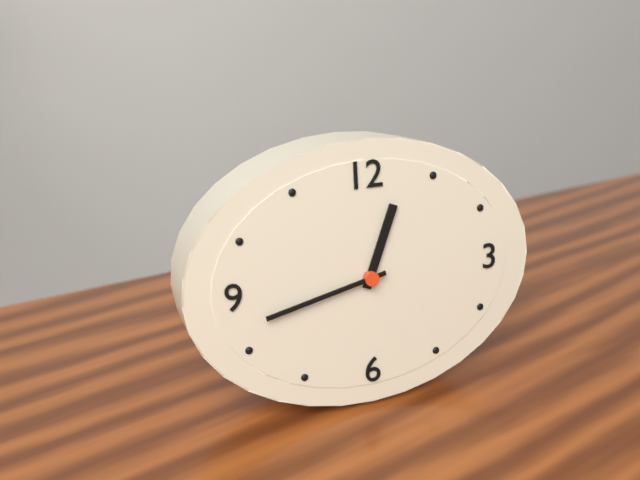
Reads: 12 h 43 min
